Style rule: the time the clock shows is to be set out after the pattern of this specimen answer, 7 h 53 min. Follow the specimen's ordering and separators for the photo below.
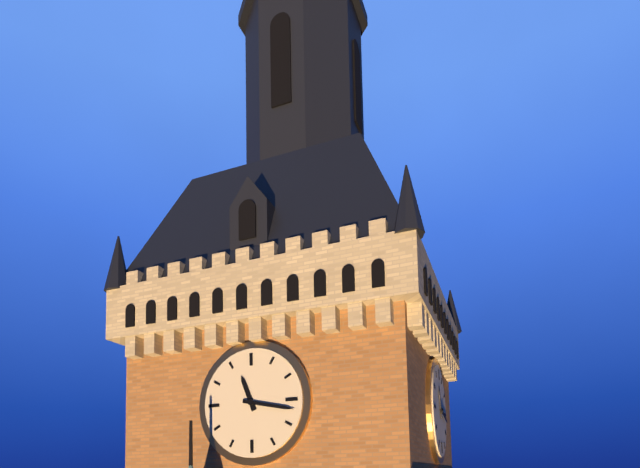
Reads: 11 h 17 min
